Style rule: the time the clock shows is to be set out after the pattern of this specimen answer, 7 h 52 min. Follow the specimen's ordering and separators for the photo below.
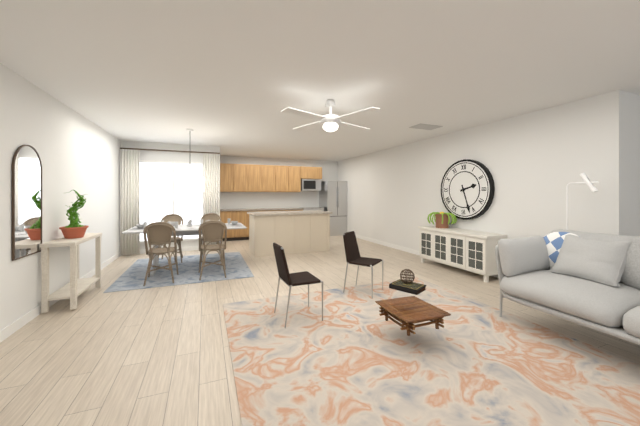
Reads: 2 h 27 min
